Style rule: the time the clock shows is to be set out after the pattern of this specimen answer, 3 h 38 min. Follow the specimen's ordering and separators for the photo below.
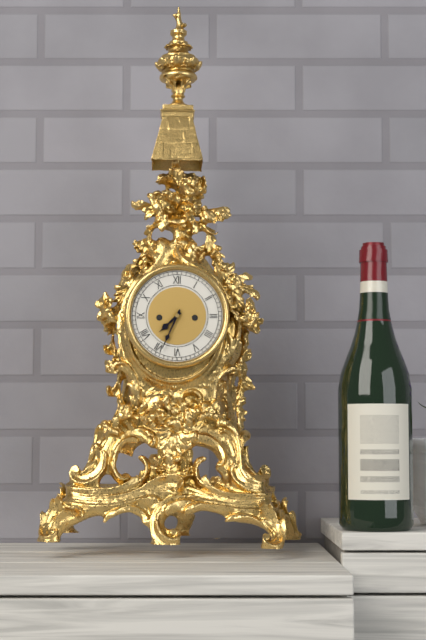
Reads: 7 h 34 min
